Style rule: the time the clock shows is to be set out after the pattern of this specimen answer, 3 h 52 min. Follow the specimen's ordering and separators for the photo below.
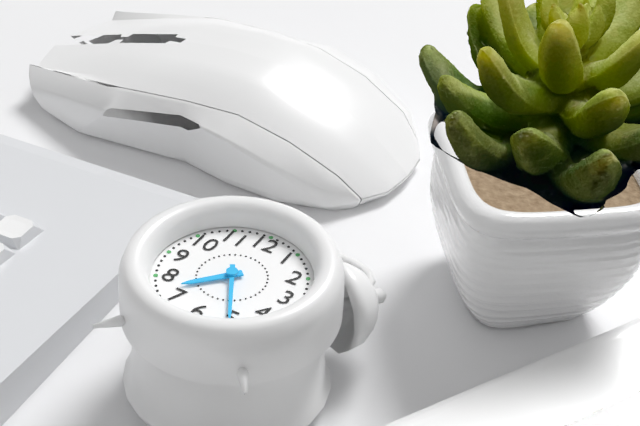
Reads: 7 h 25 min
